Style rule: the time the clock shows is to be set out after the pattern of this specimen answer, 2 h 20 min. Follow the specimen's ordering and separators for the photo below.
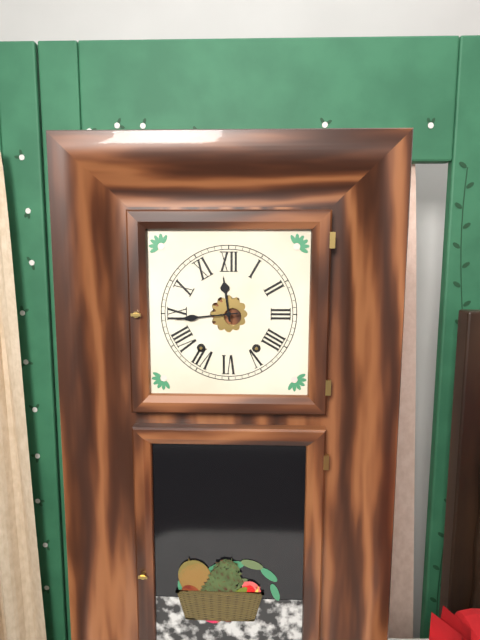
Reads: 11 h 44 min
